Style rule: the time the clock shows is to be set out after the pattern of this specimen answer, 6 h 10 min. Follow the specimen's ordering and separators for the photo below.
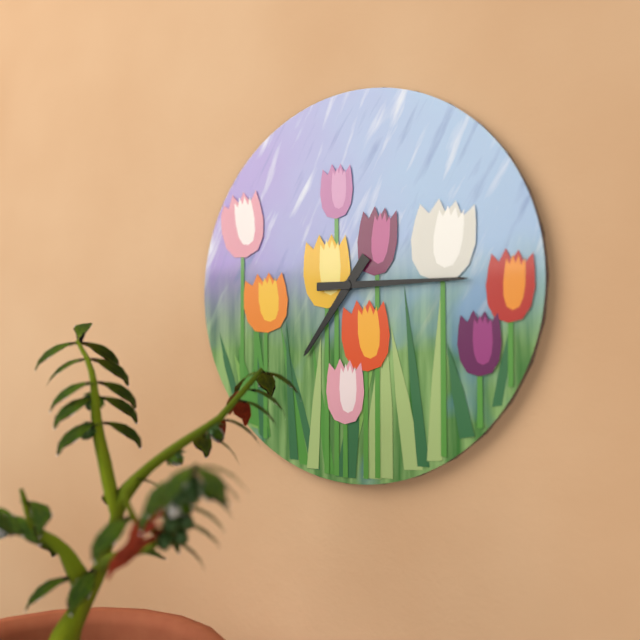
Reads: 7 h 15 min
